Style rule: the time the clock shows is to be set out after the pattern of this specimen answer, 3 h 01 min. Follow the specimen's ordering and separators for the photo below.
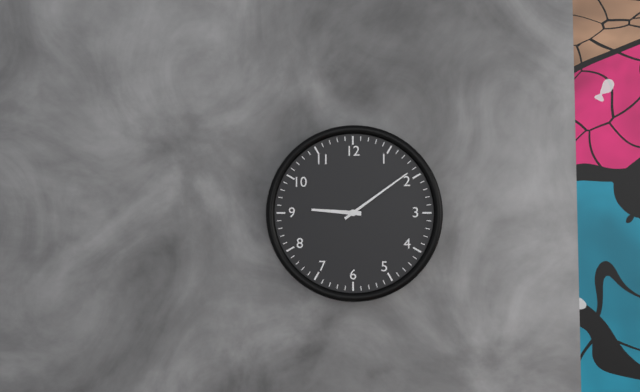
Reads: 9 h 09 min
